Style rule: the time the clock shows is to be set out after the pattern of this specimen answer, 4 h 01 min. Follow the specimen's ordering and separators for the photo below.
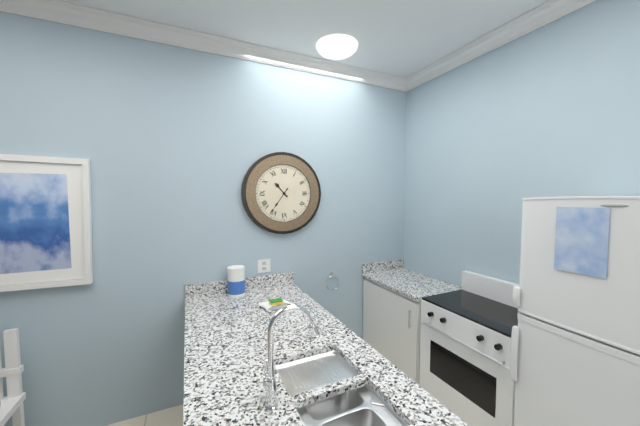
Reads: 10 h 36 min
